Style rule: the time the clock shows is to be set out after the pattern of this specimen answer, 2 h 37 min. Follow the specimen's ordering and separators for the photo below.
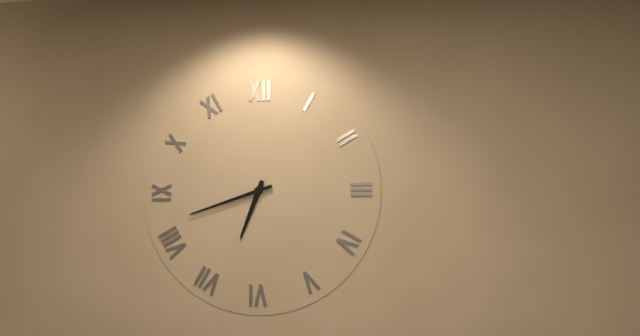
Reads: 6 h 42 min
